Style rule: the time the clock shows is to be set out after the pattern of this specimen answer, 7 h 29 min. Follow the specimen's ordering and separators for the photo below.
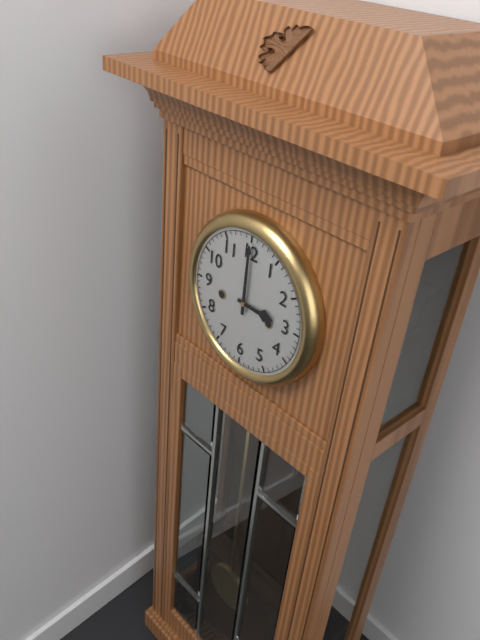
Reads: 3 h 00 min
